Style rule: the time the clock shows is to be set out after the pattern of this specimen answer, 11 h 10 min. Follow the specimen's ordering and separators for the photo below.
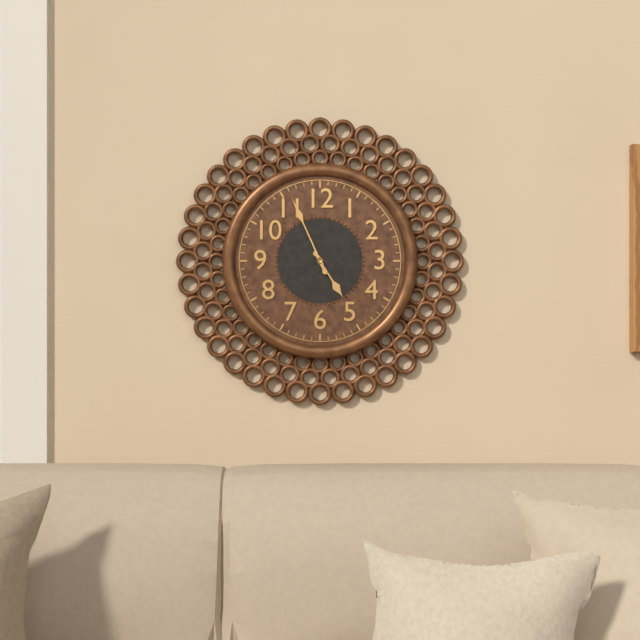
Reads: 4 h 56 min
